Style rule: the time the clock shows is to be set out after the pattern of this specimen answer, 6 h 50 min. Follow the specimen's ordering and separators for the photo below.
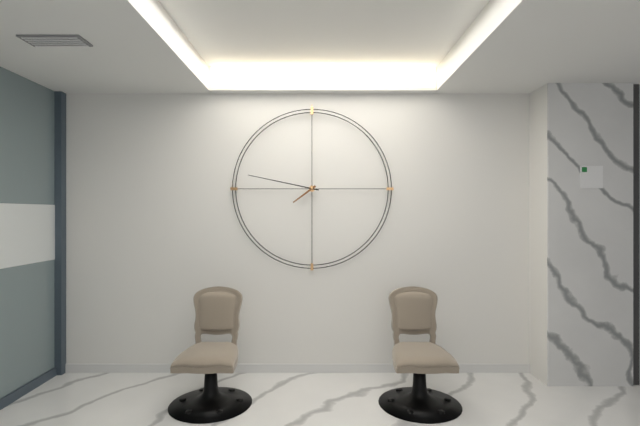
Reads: 7 h 47 min
